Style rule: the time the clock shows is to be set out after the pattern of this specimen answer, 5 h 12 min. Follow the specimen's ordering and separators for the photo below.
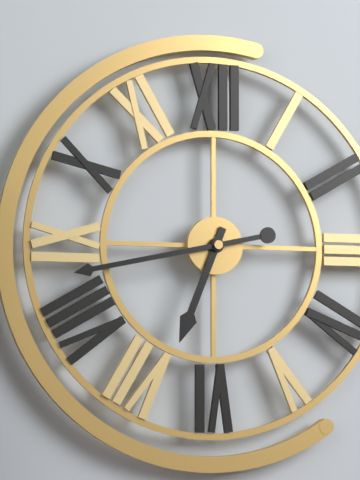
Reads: 6 h 43 min
